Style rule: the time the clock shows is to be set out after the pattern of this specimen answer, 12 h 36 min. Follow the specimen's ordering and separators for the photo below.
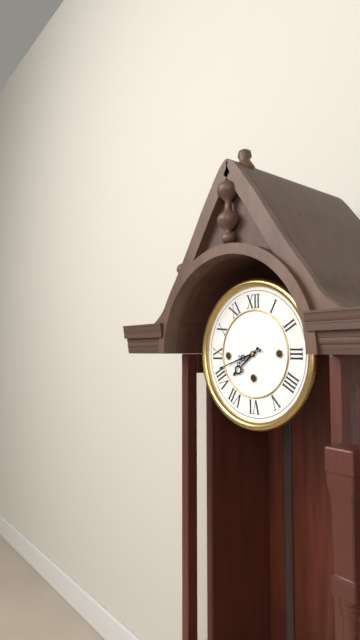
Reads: 7 h 42 min
